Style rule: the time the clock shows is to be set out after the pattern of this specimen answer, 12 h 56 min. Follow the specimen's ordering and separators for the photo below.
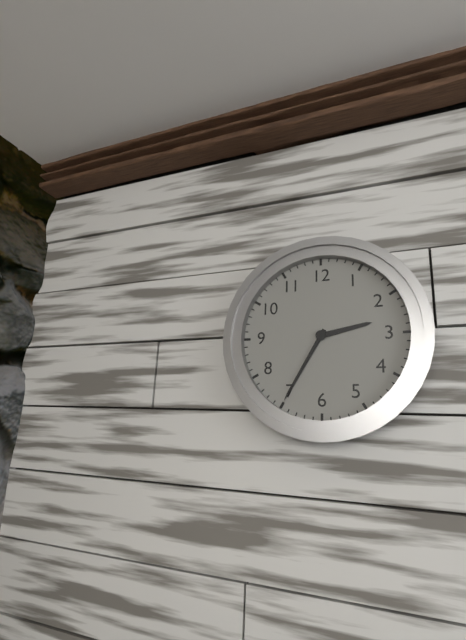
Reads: 2 h 35 min
